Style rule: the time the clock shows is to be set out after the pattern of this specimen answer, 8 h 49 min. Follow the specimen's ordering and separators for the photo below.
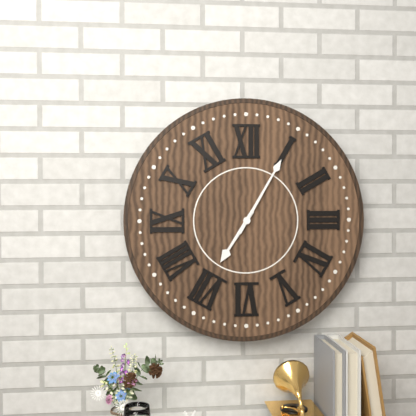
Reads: 7 h 05 min
